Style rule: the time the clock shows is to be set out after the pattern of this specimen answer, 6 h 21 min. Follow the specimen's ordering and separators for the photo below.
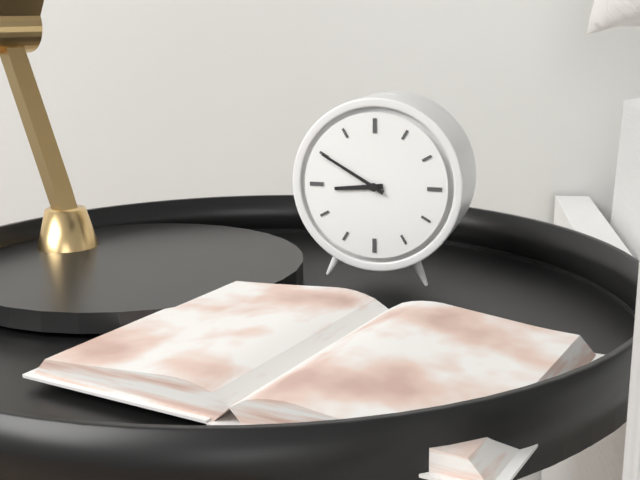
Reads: 8 h 50 min
